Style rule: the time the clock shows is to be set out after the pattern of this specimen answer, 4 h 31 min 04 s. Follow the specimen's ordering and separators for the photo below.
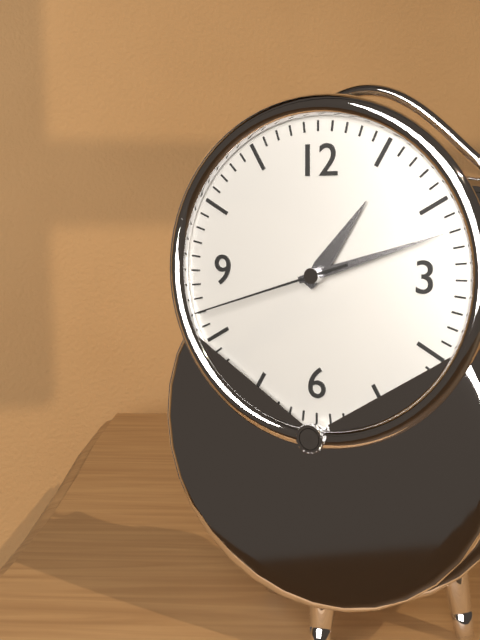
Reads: 1 h 12 min 42 s
